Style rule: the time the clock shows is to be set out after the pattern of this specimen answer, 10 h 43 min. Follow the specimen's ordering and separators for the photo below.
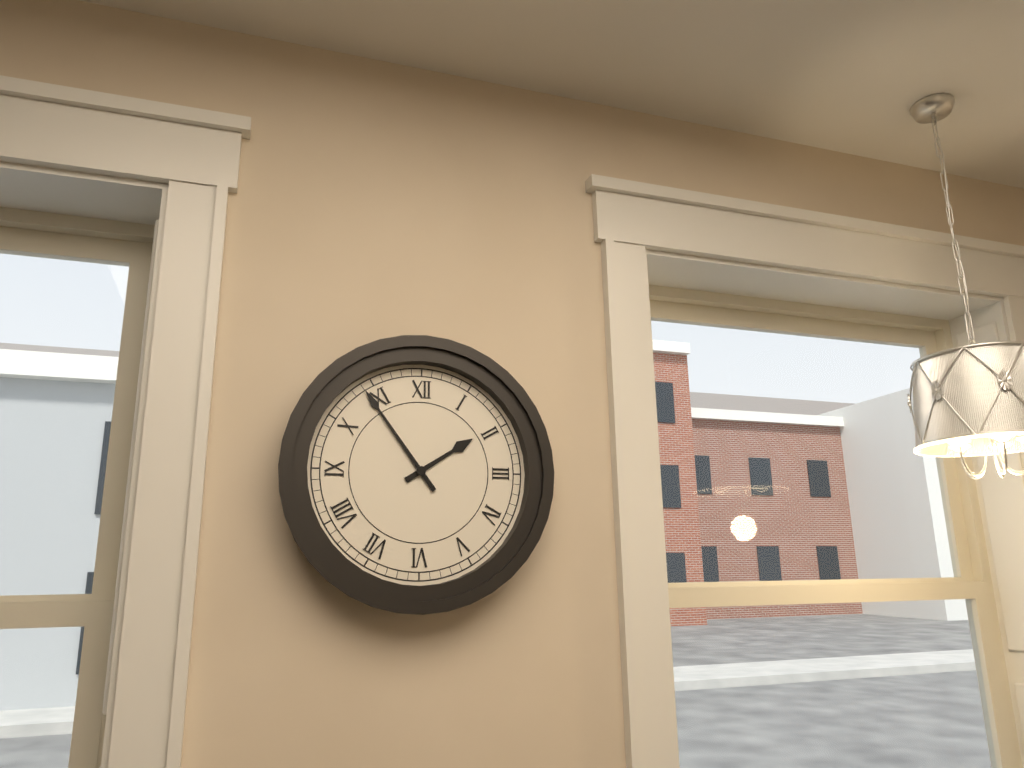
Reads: 1 h 54 min
